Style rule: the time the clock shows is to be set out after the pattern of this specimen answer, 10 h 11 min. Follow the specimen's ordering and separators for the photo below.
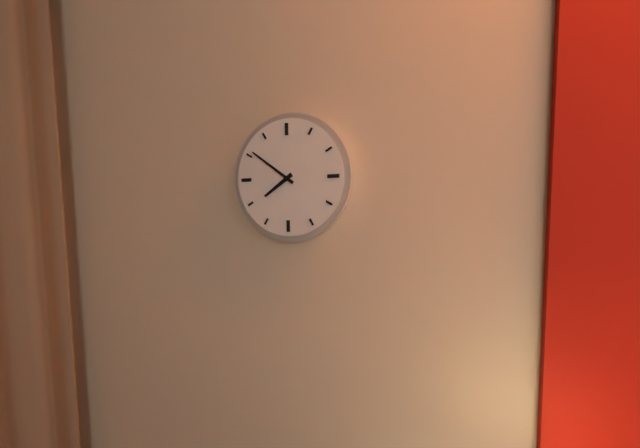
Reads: 7 h 51 min
